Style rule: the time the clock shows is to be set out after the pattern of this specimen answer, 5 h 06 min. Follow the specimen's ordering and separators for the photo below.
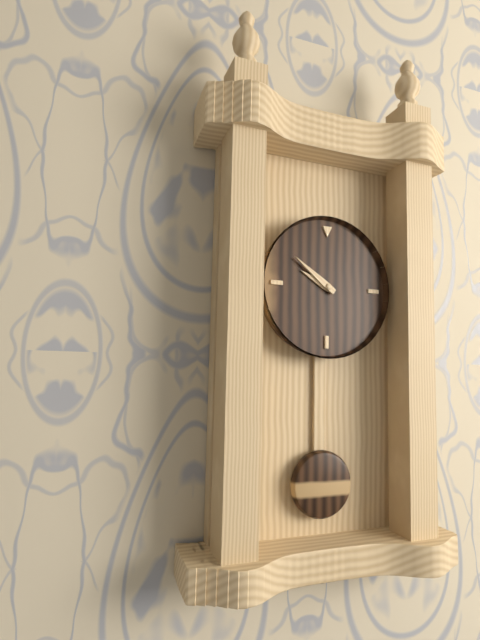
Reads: 9 h 51 min
